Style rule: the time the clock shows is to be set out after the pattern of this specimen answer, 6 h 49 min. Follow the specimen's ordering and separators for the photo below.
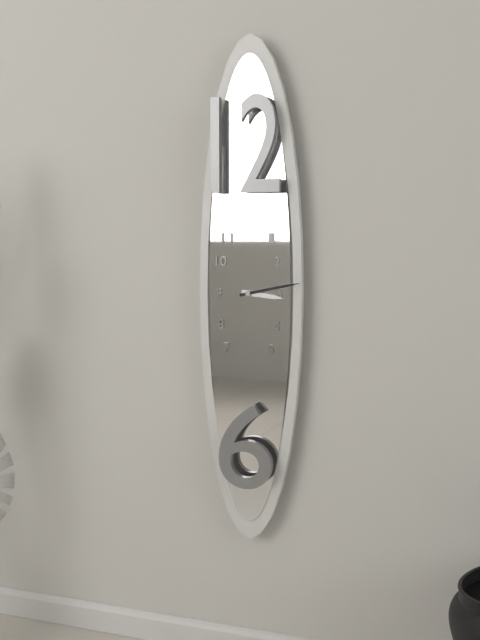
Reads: 3 h 13 min
